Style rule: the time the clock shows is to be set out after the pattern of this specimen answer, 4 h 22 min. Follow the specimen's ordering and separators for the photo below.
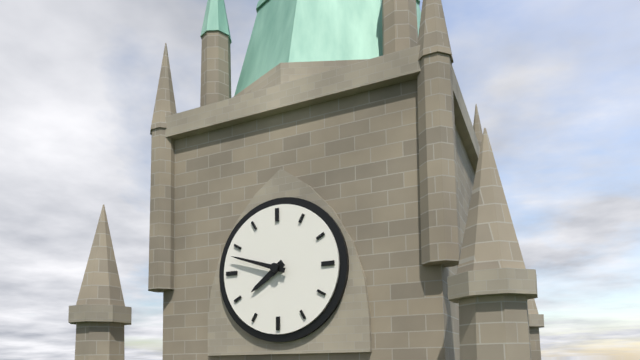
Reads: 7 h 48 min
